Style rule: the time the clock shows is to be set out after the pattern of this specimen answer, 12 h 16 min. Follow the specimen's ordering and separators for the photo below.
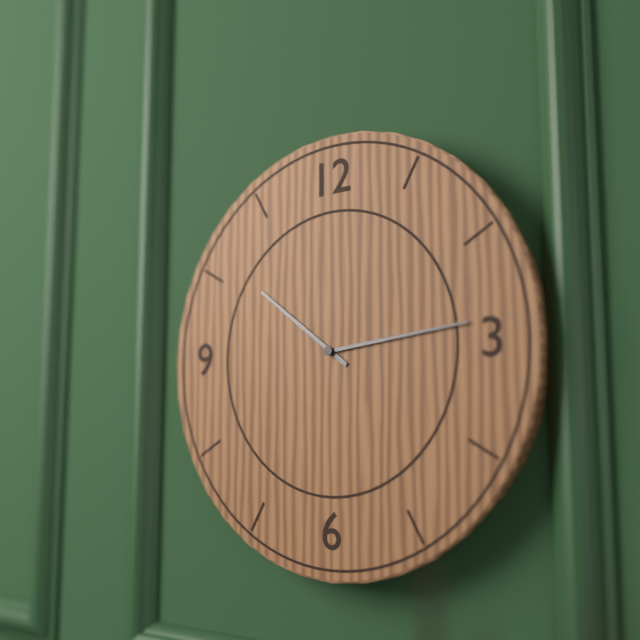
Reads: 10 h 14 min
